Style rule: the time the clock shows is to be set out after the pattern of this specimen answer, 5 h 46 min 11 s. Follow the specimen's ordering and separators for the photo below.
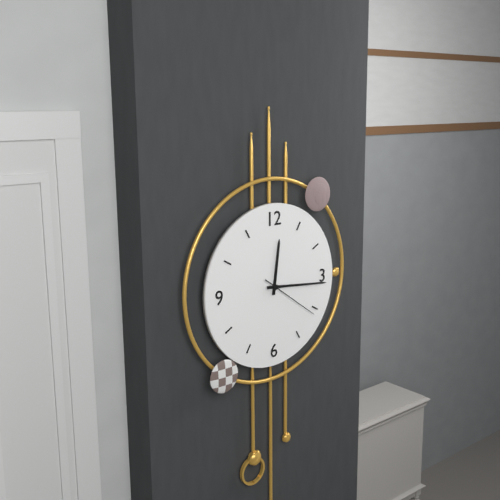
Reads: 12 h 16 min 21 s
